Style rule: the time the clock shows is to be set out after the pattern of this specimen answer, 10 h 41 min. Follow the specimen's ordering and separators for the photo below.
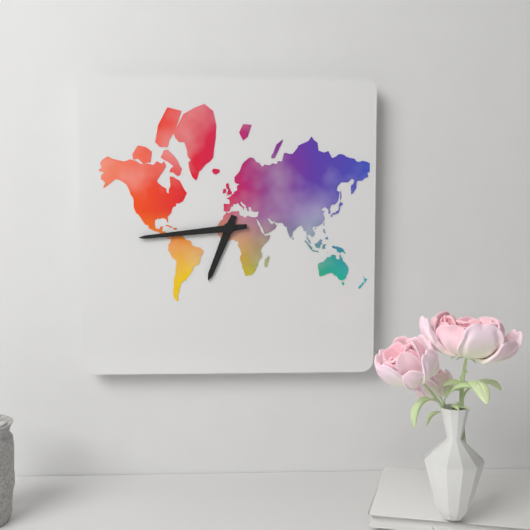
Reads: 6 h 44 min
